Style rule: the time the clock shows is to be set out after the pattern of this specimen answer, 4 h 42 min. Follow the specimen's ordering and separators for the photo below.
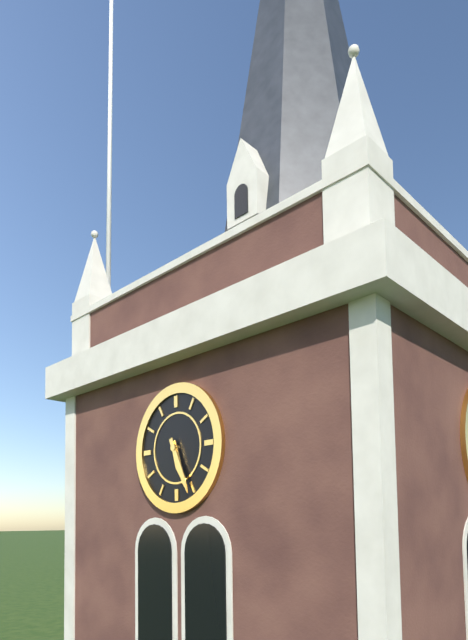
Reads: 5 h 26 min
